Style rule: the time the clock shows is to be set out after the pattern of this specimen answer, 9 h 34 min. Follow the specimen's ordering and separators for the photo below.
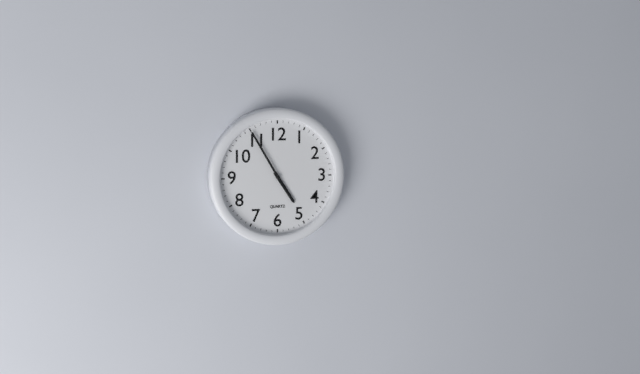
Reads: 4 h 55 min
